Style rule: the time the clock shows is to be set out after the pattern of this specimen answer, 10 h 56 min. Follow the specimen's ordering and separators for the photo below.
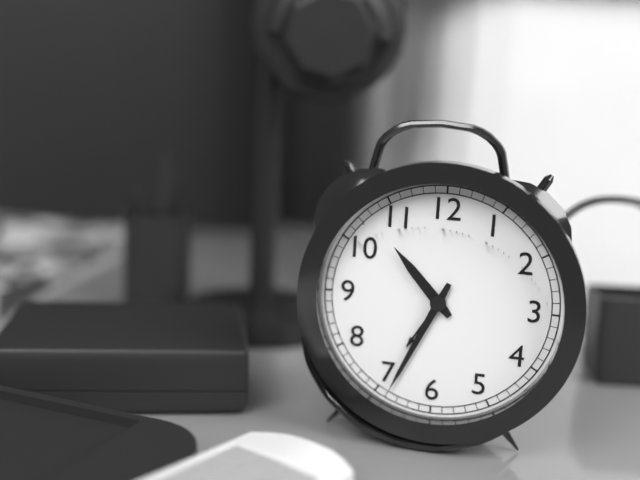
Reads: 10 h 34 min
